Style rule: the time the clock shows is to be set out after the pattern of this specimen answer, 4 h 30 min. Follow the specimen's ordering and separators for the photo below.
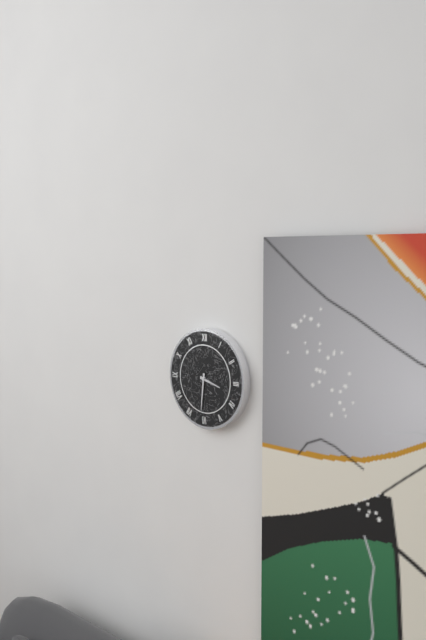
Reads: 3 h 31 min
